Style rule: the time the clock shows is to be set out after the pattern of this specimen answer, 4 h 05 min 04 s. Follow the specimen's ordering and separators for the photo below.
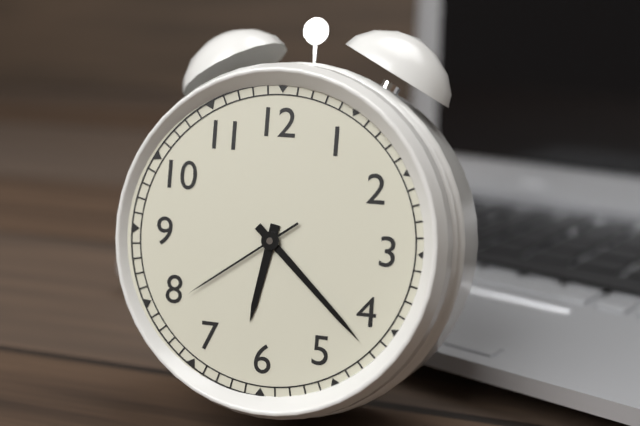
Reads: 6 h 22 min 39 s
